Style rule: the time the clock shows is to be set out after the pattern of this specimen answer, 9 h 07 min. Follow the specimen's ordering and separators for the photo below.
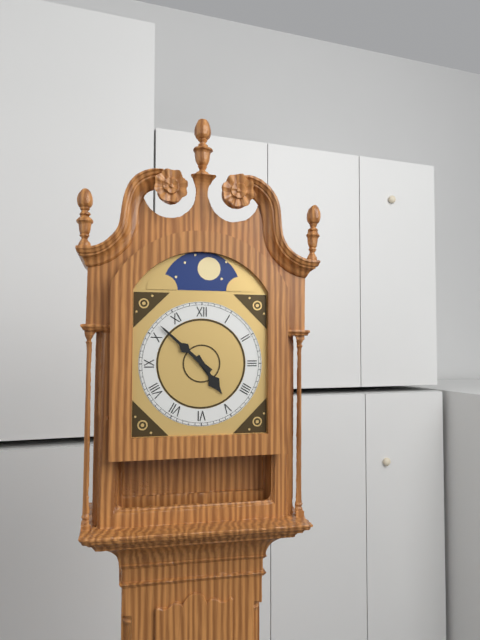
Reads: 4 h 52 min
